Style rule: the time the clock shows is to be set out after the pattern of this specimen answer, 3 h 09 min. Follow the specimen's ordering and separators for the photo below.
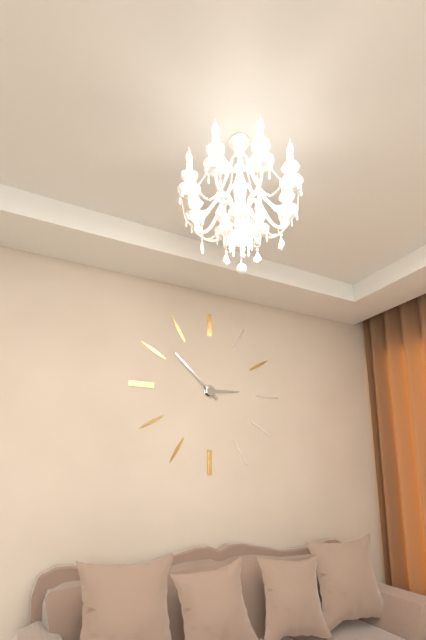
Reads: 2 h 52 min
